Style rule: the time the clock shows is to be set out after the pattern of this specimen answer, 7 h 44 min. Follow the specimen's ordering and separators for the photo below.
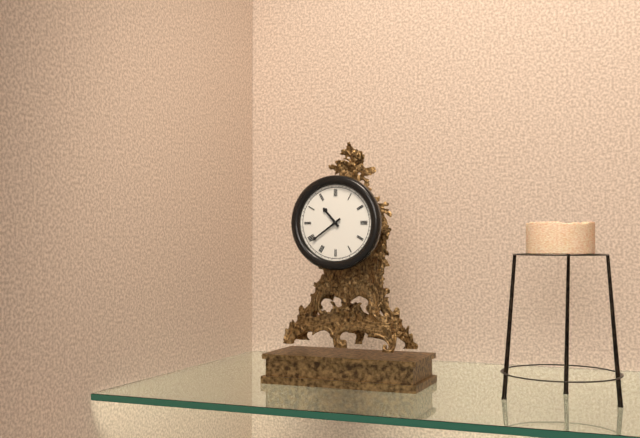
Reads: 10 h 39 min
